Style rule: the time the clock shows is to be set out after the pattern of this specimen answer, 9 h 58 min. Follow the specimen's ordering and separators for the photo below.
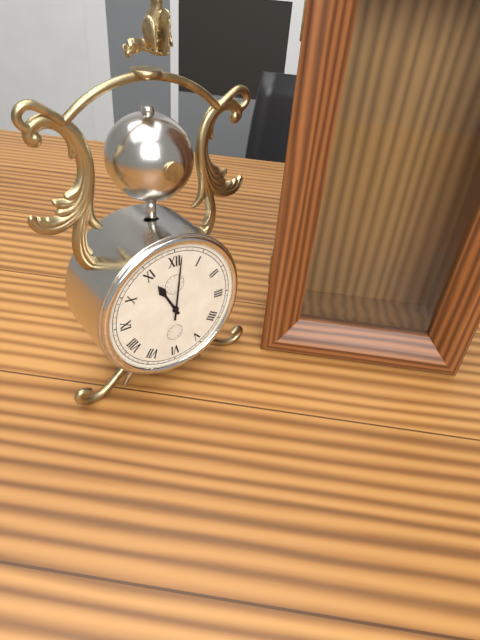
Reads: 11 h 01 min
